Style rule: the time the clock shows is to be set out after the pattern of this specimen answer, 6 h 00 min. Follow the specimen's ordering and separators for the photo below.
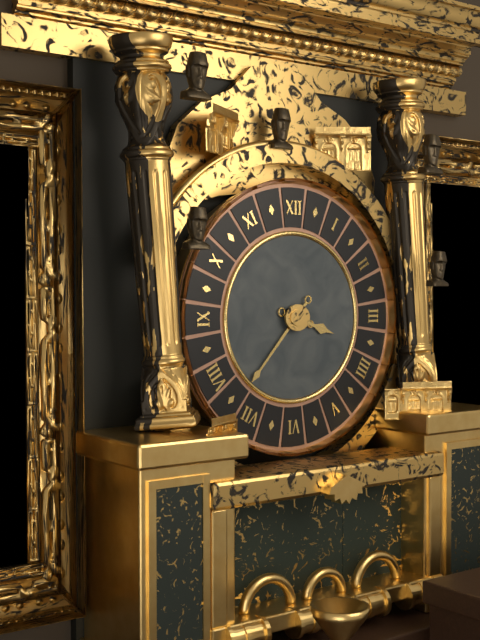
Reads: 3 h 37 min
